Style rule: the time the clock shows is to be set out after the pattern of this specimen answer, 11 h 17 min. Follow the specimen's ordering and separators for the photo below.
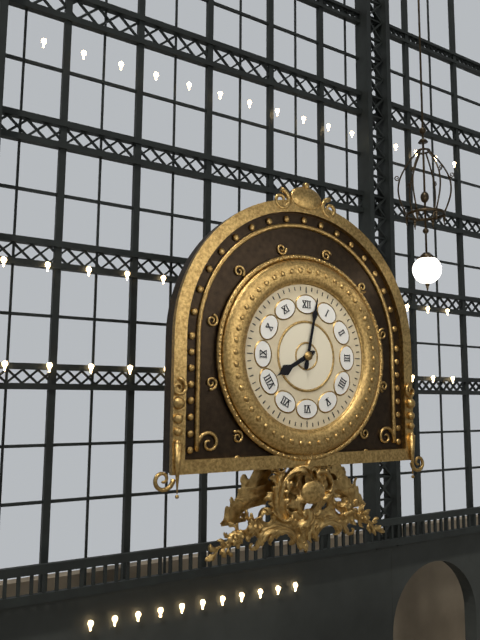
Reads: 8 h 02 min
